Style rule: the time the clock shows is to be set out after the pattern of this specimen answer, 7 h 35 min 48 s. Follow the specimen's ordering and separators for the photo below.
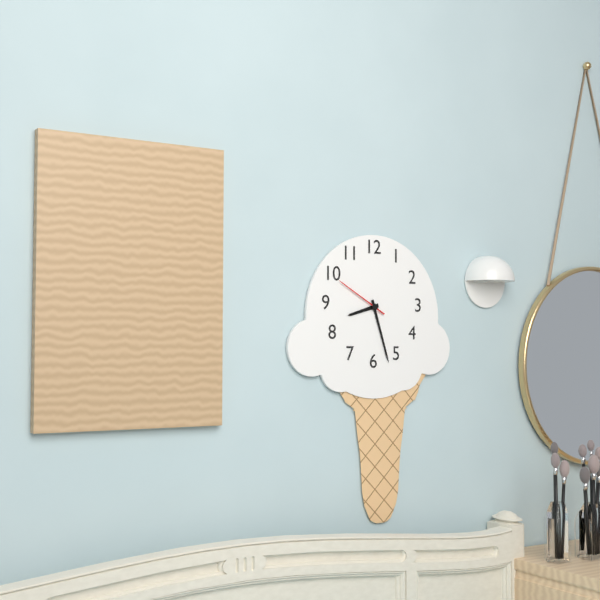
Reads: 8 h 27 min 50 s
